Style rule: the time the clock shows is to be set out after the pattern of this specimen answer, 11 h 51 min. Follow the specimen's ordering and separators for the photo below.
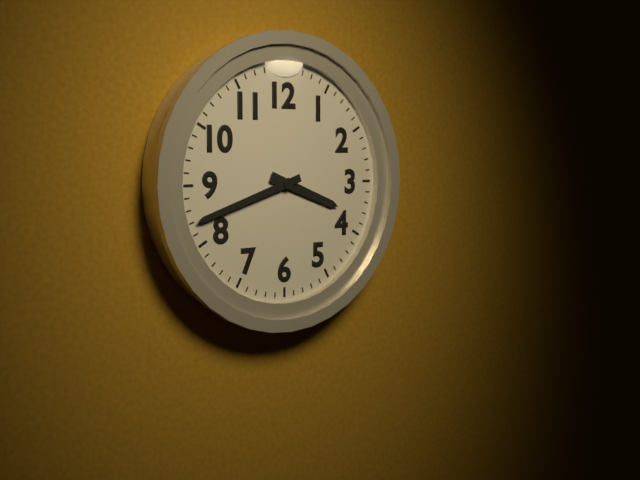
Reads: 3 h 42 min
